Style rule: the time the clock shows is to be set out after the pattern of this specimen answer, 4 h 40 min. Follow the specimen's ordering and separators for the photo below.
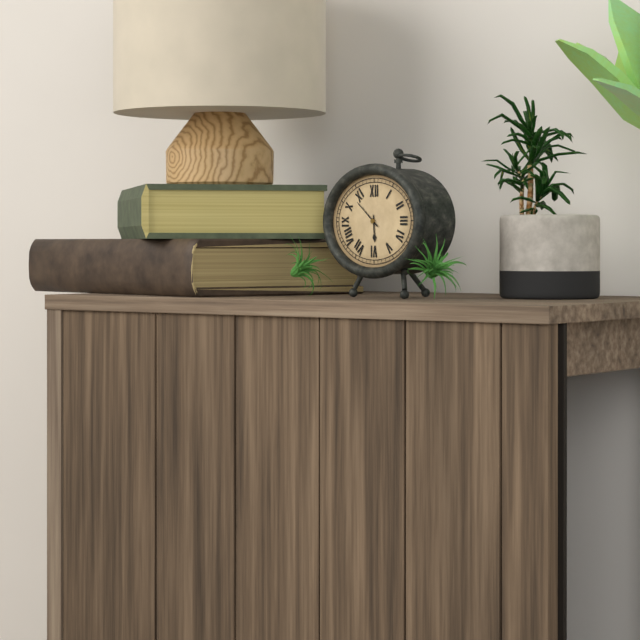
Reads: 5 h 51 min
